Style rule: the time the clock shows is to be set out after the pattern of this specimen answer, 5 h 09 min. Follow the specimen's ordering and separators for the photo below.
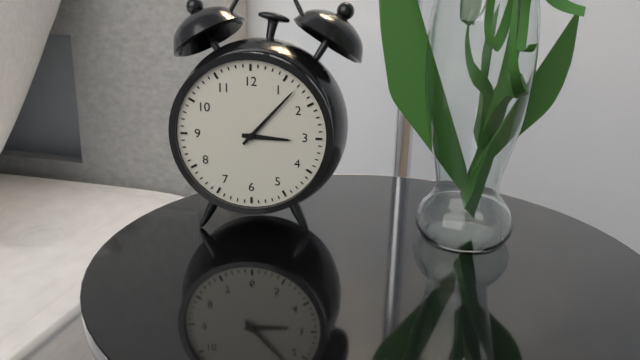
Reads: 3 h 07 min
